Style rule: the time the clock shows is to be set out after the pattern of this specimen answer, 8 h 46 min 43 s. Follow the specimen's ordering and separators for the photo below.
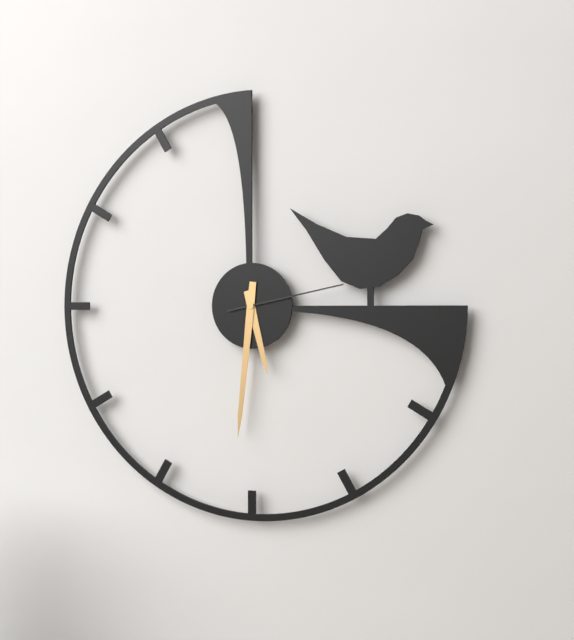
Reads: 5 h 31 min 13 s
